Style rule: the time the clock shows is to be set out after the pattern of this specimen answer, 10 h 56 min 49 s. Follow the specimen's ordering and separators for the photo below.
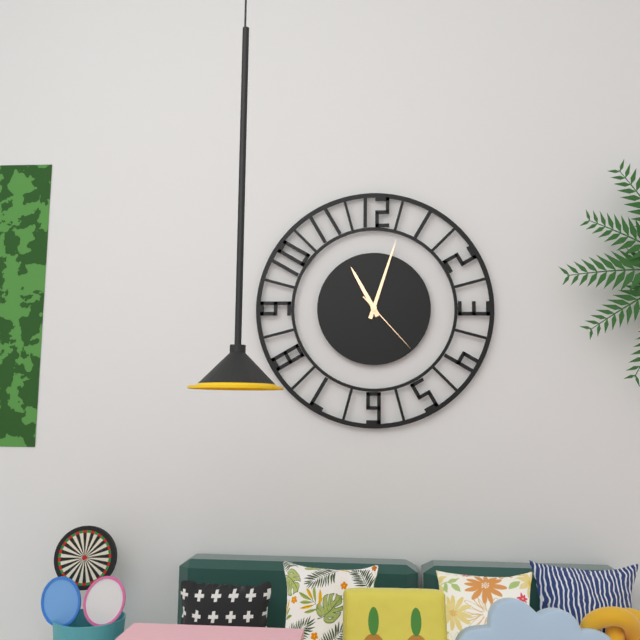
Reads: 11 h 03 min 23 s
